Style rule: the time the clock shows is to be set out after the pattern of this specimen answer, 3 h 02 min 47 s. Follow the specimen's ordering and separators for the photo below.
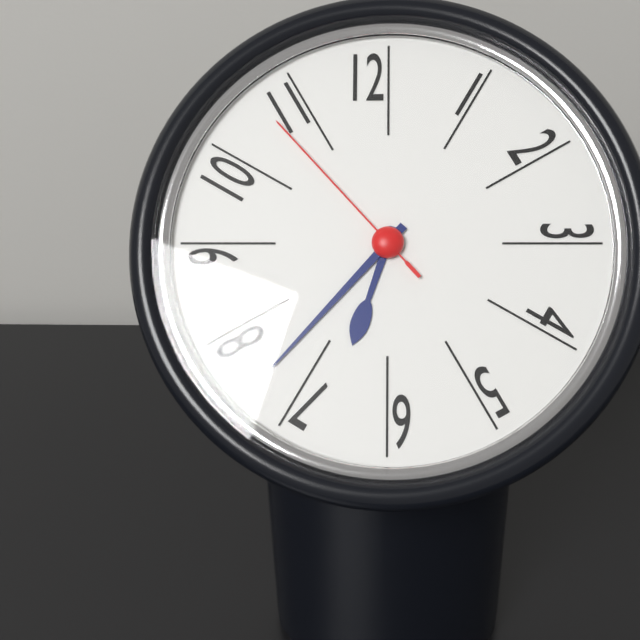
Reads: 6 h 37 min 53 s
